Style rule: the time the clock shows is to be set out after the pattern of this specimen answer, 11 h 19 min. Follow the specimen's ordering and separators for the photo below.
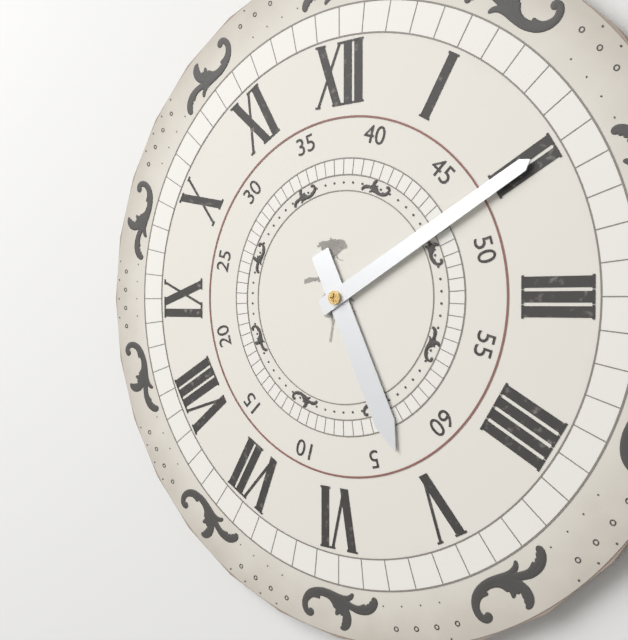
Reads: 5 h 10 min
